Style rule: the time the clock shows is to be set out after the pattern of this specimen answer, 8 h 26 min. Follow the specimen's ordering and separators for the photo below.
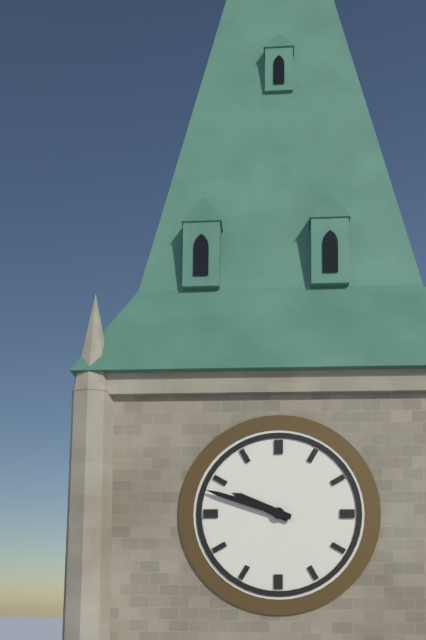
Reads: 9 h 48 min
